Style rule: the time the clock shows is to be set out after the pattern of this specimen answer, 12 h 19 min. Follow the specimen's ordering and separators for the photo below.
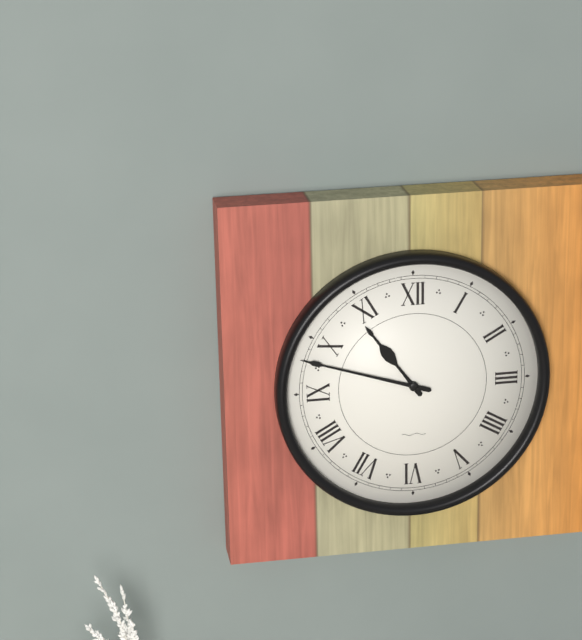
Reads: 10 h 48 min
